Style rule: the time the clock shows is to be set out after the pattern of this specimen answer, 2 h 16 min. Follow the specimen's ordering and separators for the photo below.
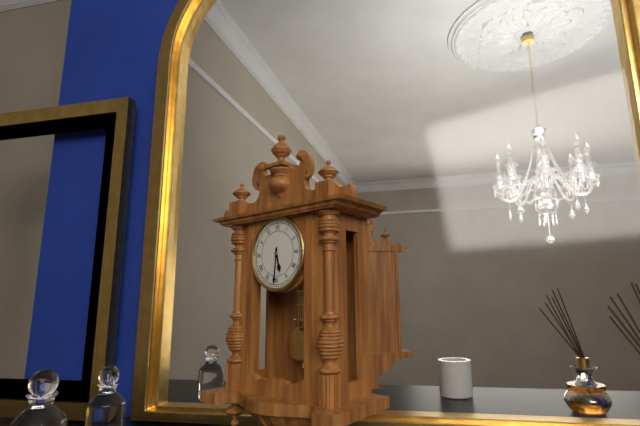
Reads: 5 h 31 min
